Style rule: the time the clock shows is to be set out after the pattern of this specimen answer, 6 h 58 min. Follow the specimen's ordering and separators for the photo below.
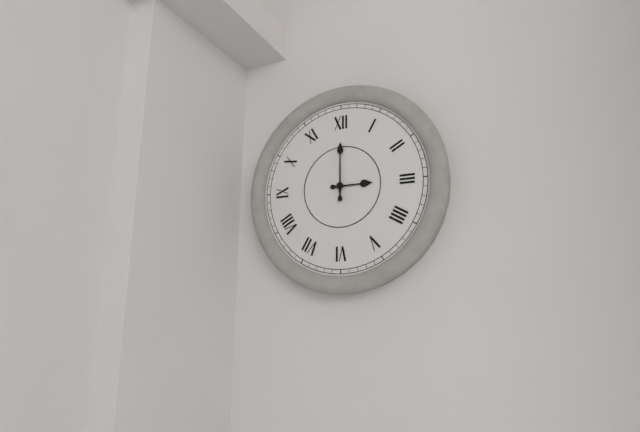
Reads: 3 h 00 min
